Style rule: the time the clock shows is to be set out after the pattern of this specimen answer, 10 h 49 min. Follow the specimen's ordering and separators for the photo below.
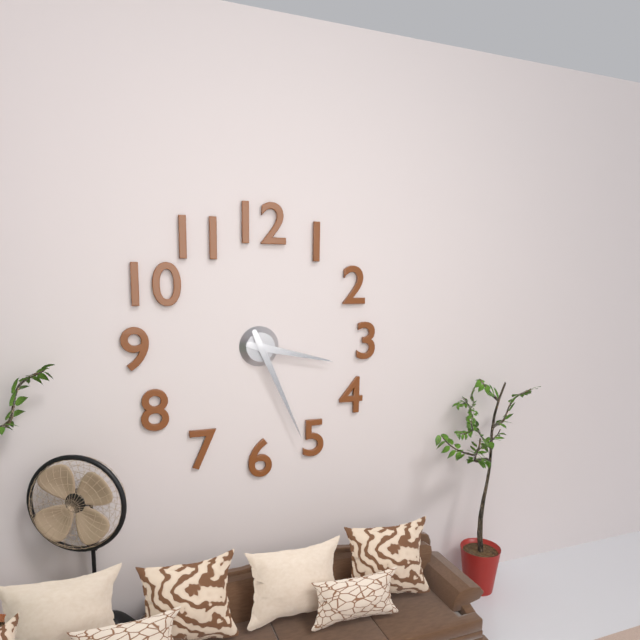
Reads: 3 h 26 min
